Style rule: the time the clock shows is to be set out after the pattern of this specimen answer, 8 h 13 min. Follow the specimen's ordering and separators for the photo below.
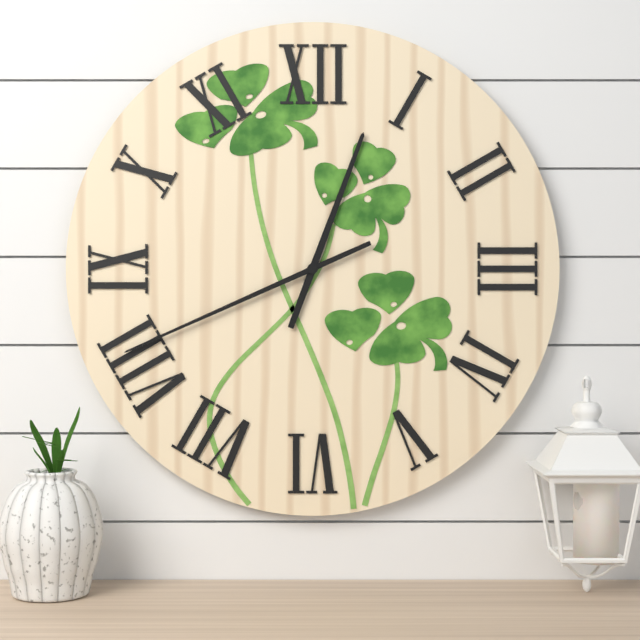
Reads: 12 h 41 min
